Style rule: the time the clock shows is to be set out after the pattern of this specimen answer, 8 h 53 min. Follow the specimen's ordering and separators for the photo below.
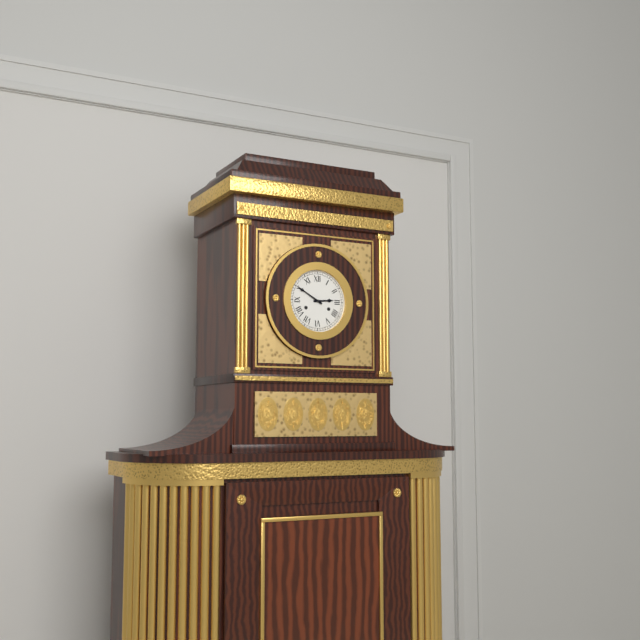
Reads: 2 h 50 min
